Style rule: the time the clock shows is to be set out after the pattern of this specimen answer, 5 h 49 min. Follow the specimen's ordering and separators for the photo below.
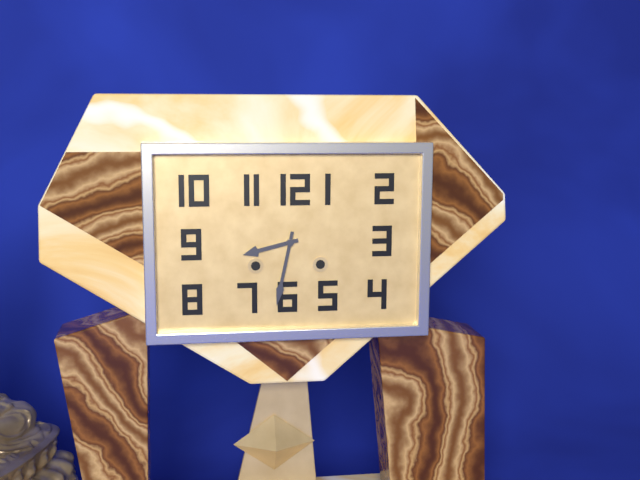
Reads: 8 h 32 min
